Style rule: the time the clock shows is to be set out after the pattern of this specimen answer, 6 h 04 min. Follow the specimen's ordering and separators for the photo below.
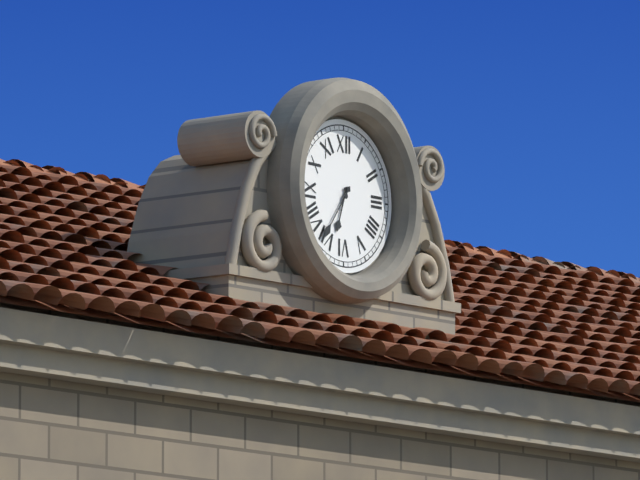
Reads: 6 h 36 min
